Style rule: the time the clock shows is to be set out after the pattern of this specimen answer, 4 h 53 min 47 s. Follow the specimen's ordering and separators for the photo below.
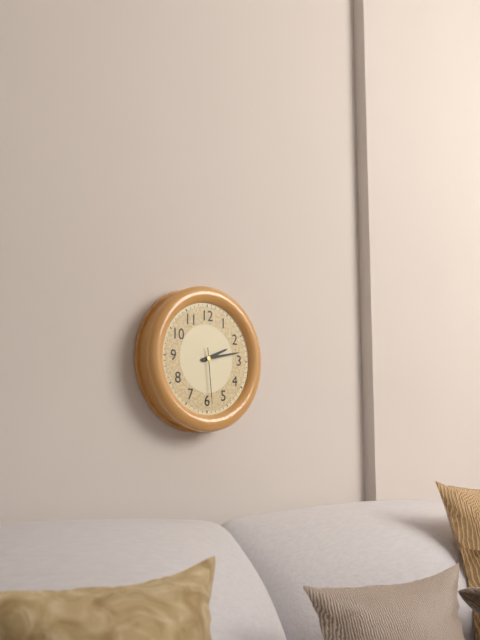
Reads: 2 h 13 min 29 s
